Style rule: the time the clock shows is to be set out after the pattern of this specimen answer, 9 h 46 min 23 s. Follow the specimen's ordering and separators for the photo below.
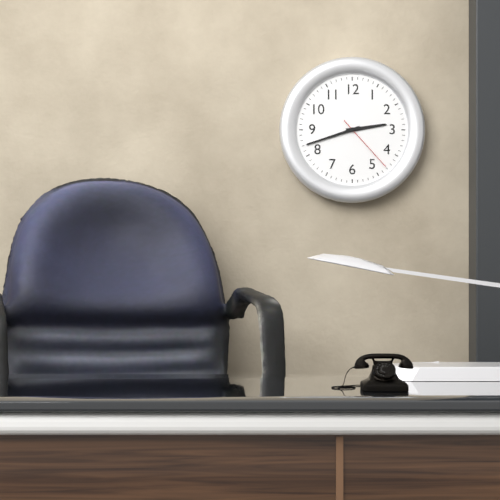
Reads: 2 h 42 min 23 s
